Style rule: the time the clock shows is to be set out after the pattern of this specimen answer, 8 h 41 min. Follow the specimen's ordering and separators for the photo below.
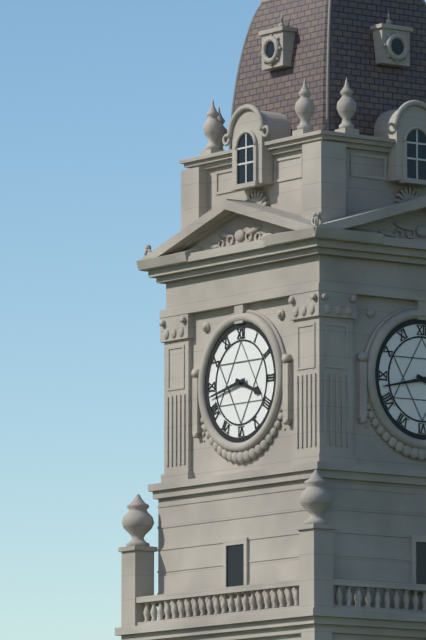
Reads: 3 h 43 min
